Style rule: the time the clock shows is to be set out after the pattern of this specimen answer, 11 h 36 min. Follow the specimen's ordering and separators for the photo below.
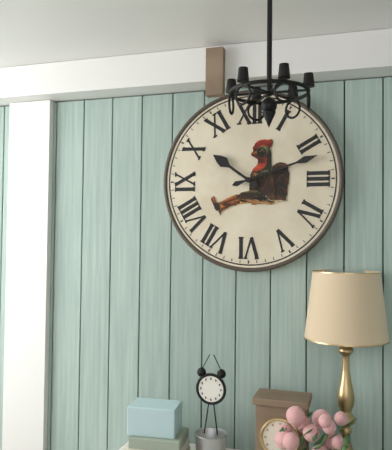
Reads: 10 h 12 min
